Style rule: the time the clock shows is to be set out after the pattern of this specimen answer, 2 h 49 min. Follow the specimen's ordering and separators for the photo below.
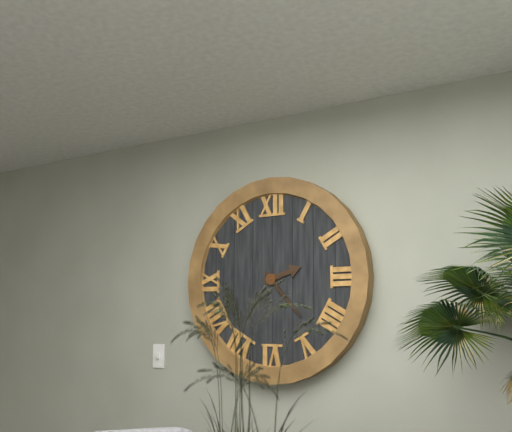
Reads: 2 h 23 min
